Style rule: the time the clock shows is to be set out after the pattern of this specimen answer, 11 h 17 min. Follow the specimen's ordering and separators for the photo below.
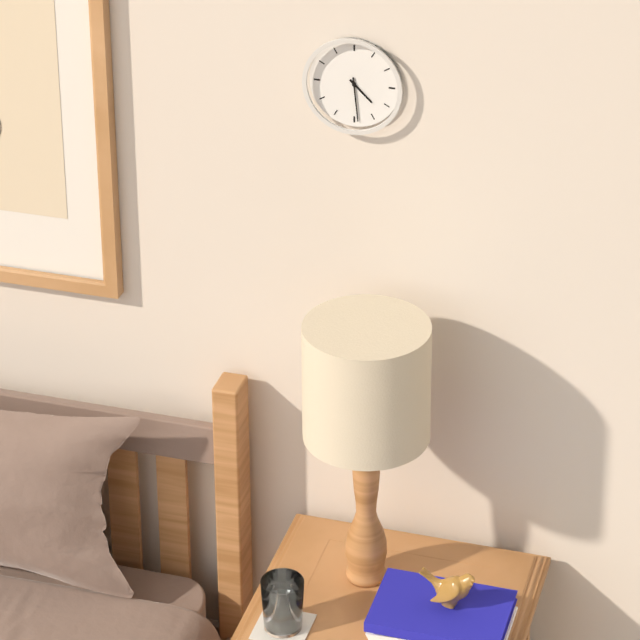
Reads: 4 h 29 min
